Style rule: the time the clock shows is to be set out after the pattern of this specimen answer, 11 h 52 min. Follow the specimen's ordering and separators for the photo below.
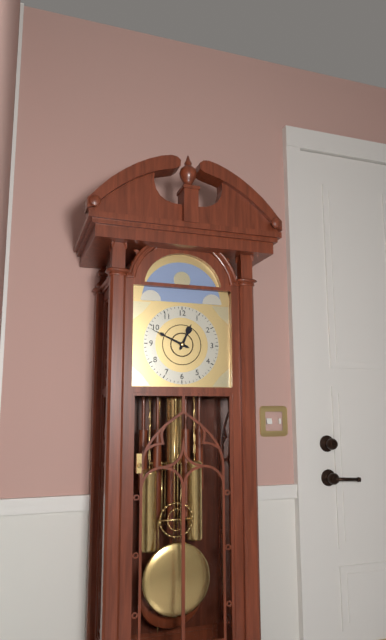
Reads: 12 h 49 min
